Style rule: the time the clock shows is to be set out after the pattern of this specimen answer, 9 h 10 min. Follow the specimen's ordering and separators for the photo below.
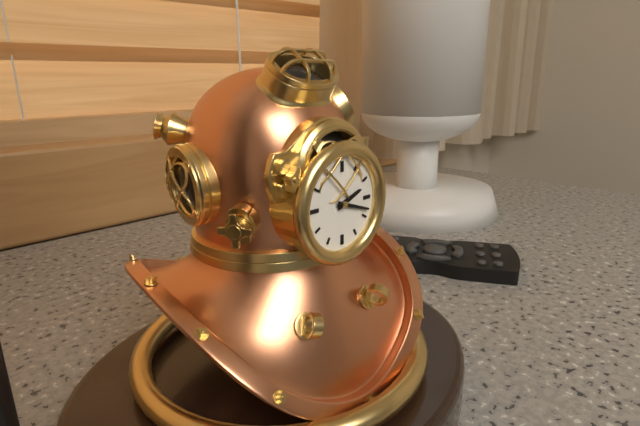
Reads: 2 h 18 min
